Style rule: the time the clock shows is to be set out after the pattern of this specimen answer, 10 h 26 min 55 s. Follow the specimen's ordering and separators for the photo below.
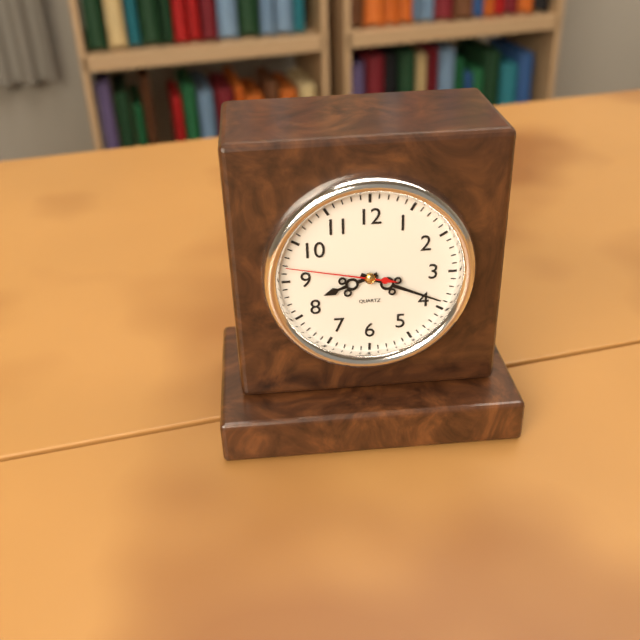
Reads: 8 h 19 min 47 s
